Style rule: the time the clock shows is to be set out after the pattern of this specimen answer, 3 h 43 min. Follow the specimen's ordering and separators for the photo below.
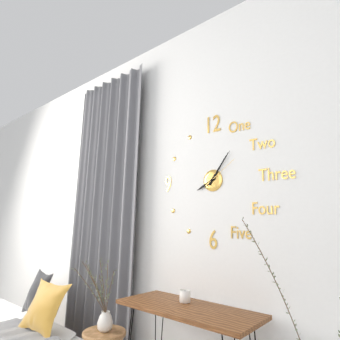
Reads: 8 h 06 min
